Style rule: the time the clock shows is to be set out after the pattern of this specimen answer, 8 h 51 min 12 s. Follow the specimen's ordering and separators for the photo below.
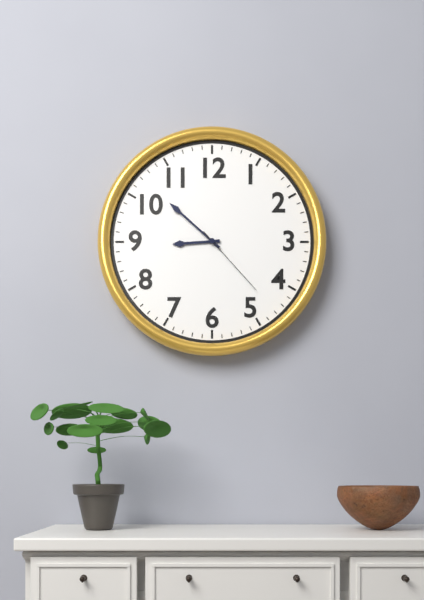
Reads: 8 h 52 min 23 s
